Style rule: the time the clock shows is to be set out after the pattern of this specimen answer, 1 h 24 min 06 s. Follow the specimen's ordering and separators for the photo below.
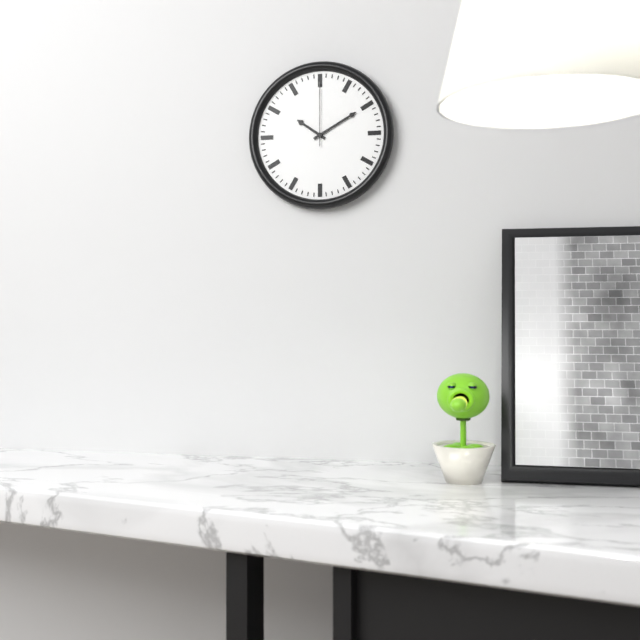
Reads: 10 h 10 min 00 s
